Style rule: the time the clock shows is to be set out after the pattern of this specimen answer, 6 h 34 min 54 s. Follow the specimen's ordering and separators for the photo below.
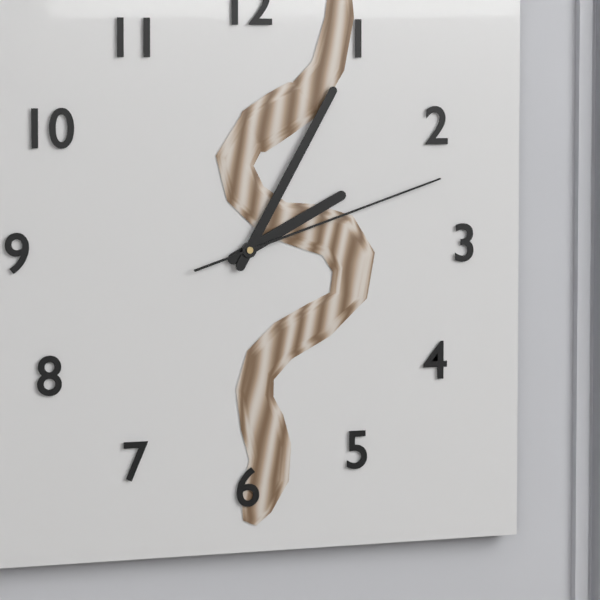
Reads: 2 h 05 min 12 s
